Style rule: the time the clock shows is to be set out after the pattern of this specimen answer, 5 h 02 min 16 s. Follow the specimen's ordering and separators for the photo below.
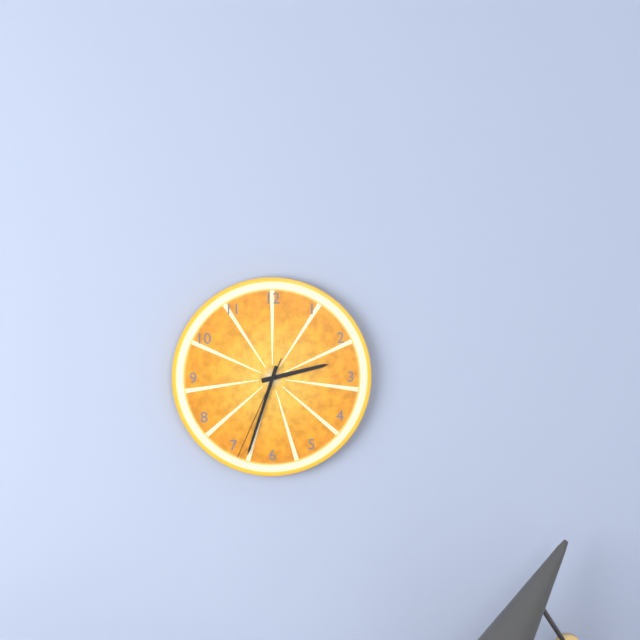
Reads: 2 h 33 min 34 s
